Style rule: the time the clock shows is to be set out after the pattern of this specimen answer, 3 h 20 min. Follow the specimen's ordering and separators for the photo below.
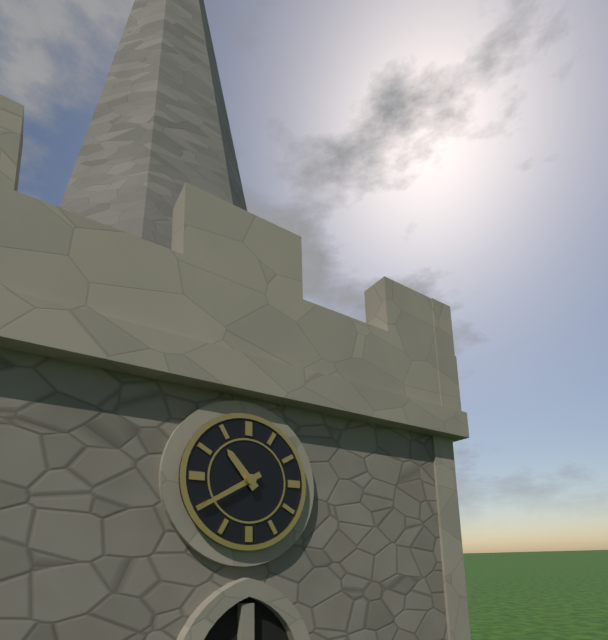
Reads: 10 h 40 min
